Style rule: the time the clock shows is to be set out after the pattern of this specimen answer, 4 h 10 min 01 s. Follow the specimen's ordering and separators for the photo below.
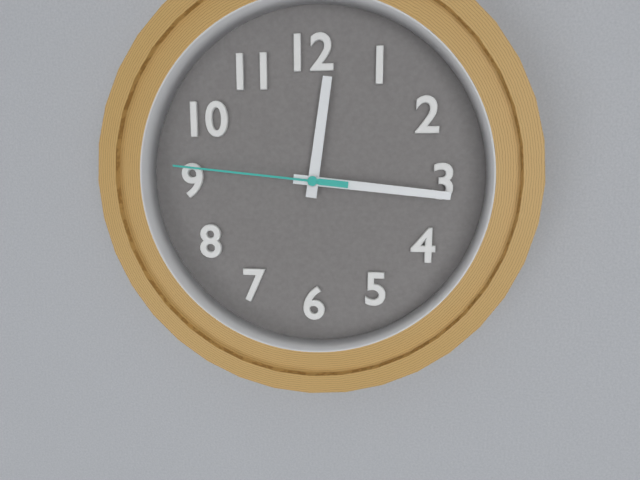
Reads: 12 h 16 min 46 s
